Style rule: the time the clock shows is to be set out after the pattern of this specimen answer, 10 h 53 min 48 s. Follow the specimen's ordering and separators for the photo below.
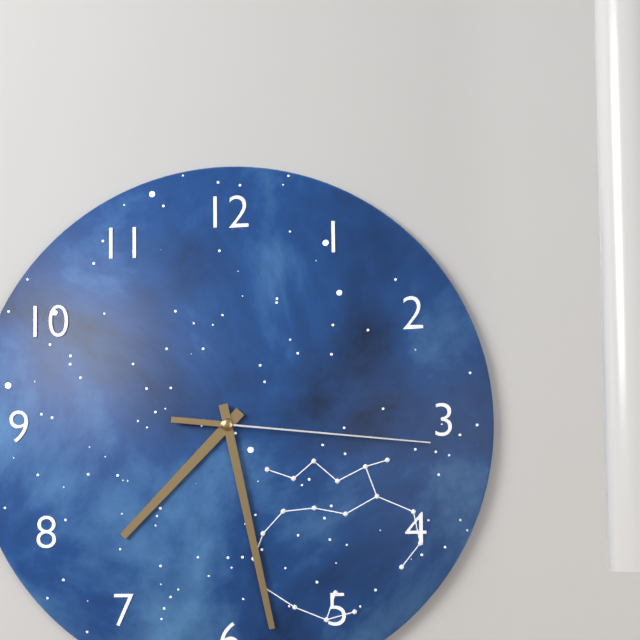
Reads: 7 h 28 min 16 s
